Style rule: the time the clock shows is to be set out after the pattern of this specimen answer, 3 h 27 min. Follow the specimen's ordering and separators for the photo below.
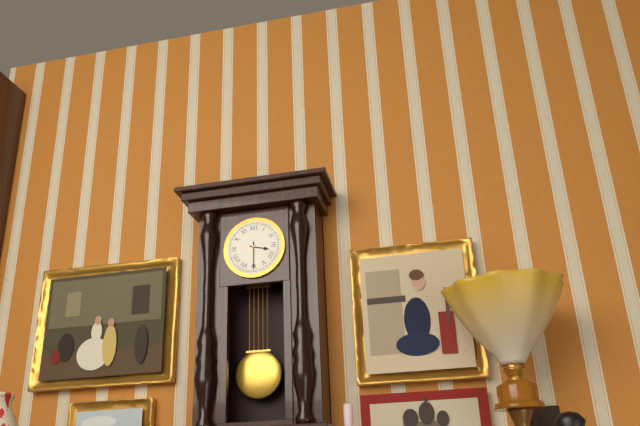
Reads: 3 h 30 min
